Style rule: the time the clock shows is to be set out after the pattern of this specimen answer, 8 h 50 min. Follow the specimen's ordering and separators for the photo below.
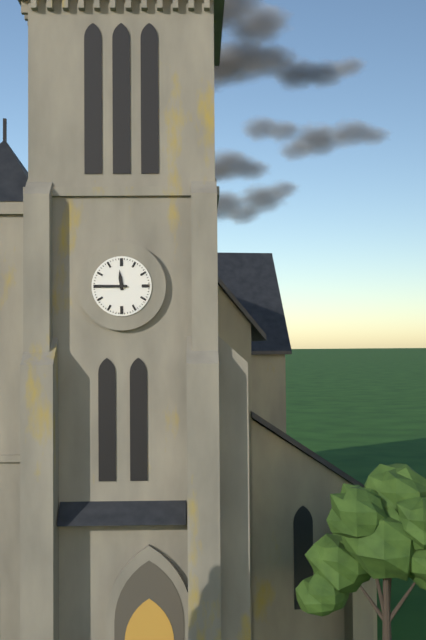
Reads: 11 h 45 min
